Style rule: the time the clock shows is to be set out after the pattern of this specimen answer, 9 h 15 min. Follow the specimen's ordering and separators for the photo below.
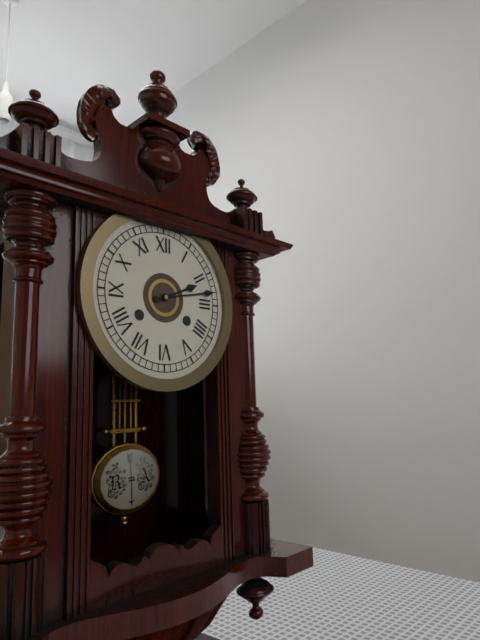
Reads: 2 h 13 min
